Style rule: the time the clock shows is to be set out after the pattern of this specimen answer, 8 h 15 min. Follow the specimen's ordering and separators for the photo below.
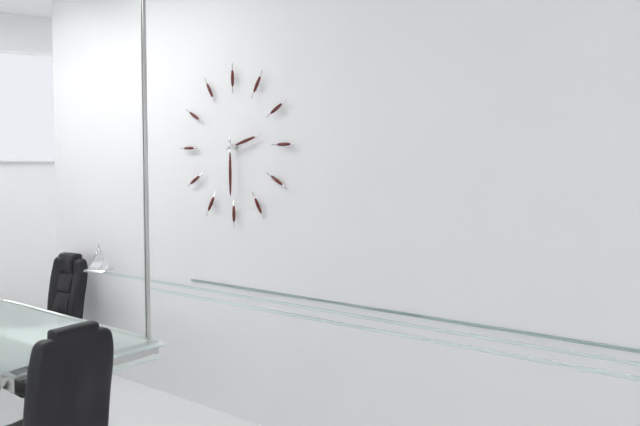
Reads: 2 h 30 min
